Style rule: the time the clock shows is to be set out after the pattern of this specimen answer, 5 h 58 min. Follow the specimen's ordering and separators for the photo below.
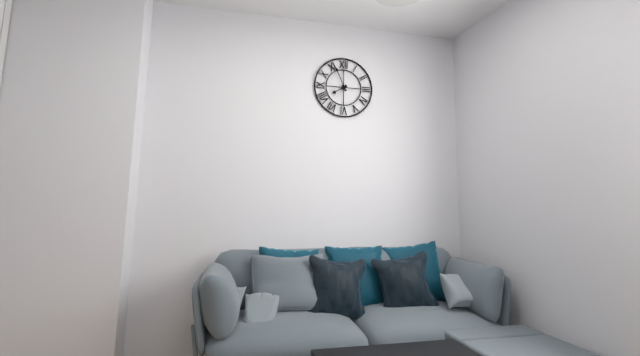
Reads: 7 h 56 min
